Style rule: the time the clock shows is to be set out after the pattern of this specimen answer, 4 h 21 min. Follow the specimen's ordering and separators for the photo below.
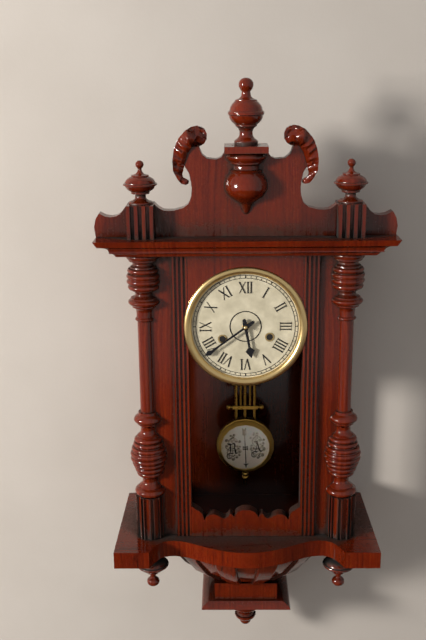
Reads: 5 h 39 min
